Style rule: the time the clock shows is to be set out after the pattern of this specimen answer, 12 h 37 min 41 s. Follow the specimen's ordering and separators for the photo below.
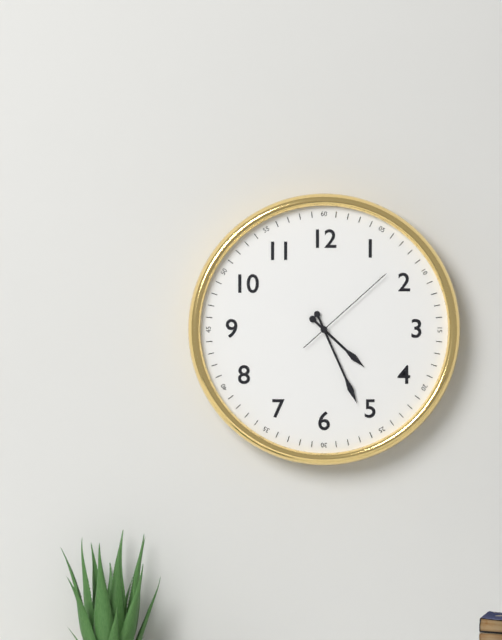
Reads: 4 h 26 min 08 s
